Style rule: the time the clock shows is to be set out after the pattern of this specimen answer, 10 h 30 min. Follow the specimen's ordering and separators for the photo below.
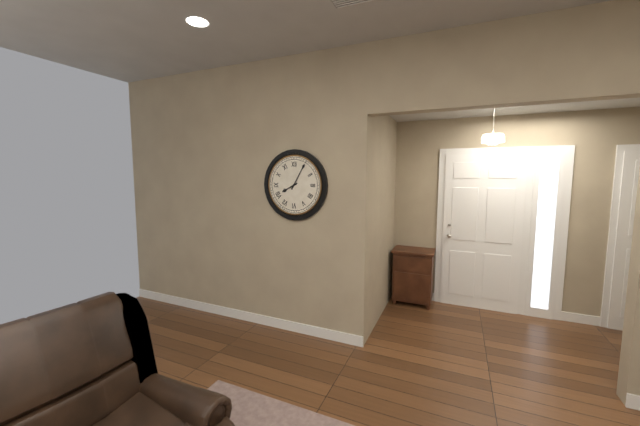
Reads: 8 h 05 min
